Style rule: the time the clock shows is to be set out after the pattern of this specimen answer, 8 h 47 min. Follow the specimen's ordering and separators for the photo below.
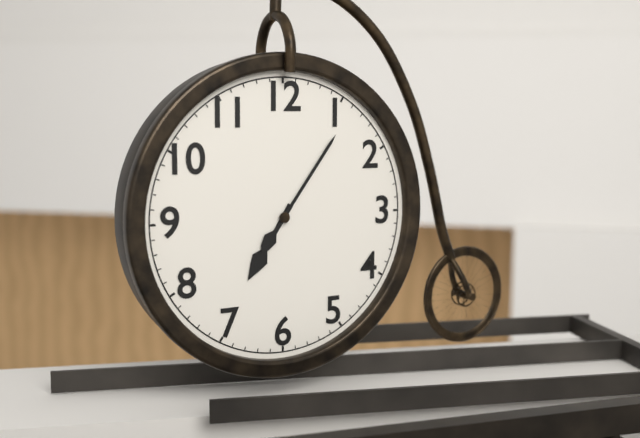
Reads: 7 h 06 min
